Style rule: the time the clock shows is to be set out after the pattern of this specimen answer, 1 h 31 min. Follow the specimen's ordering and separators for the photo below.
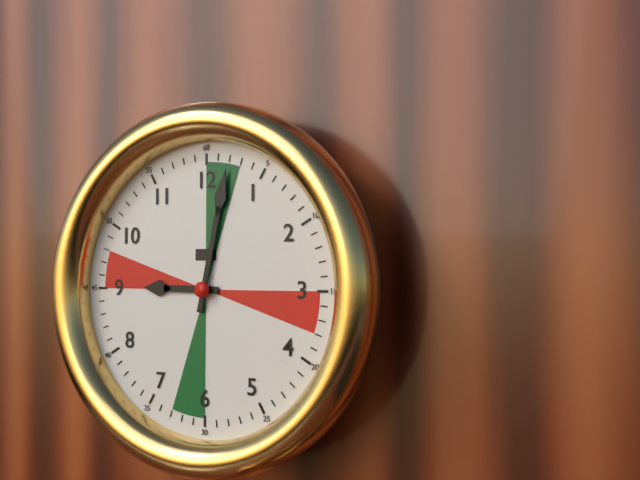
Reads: 9 h 02 min
